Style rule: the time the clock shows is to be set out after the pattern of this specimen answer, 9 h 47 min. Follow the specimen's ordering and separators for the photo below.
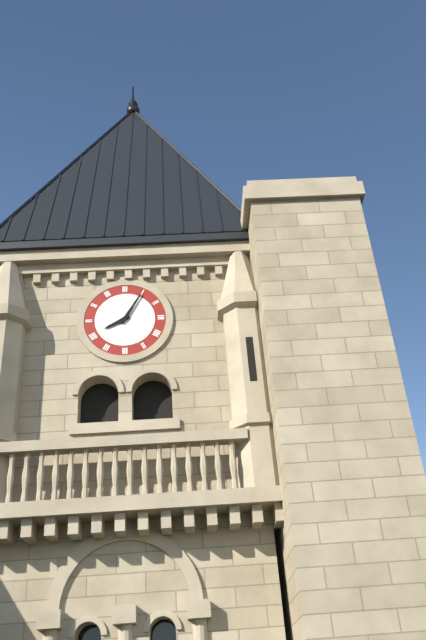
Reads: 8 h 05 min
